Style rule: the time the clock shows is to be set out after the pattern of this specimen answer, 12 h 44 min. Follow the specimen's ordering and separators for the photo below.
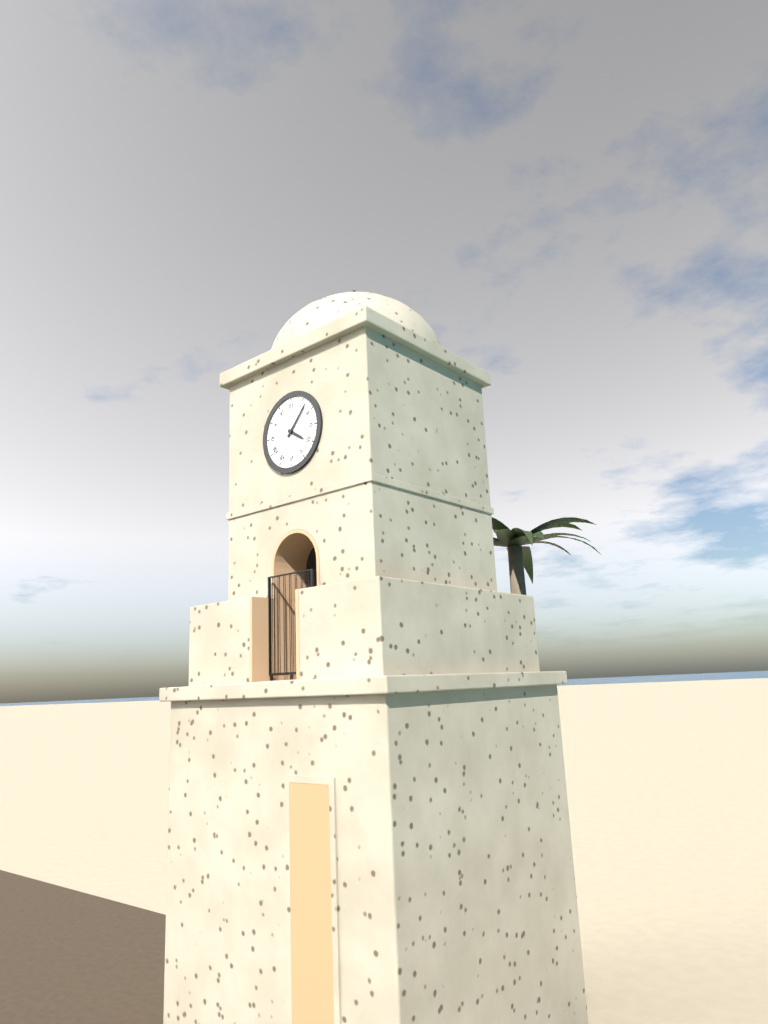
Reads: 4 h 07 min
